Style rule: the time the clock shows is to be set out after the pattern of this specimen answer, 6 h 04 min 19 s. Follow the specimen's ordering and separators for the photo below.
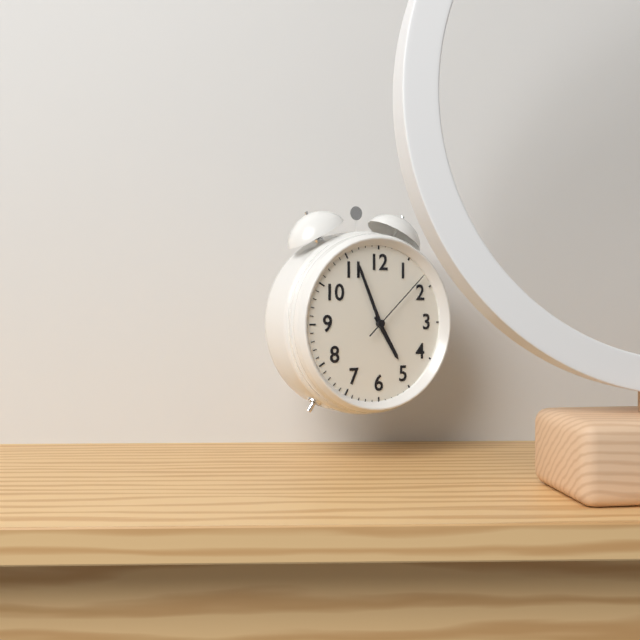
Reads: 4 h 56 min 08 s
